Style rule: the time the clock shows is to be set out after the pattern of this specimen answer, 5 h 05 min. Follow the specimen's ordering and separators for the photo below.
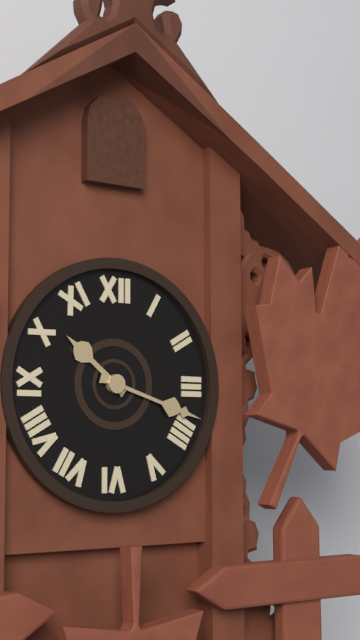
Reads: 10 h 18 min
